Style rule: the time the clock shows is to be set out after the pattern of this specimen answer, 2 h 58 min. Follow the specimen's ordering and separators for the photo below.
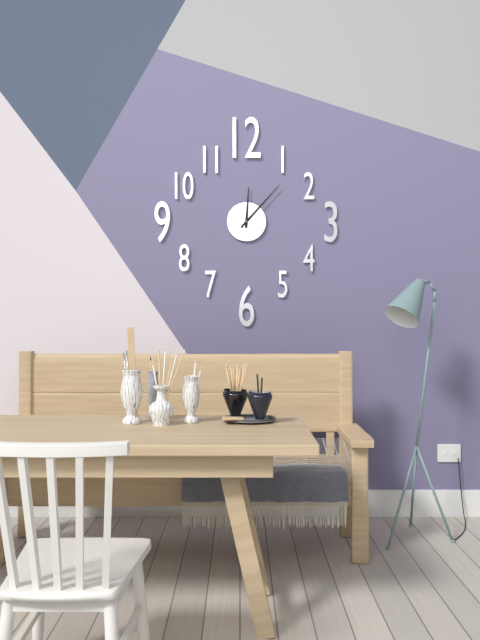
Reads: 12 h 07 min
